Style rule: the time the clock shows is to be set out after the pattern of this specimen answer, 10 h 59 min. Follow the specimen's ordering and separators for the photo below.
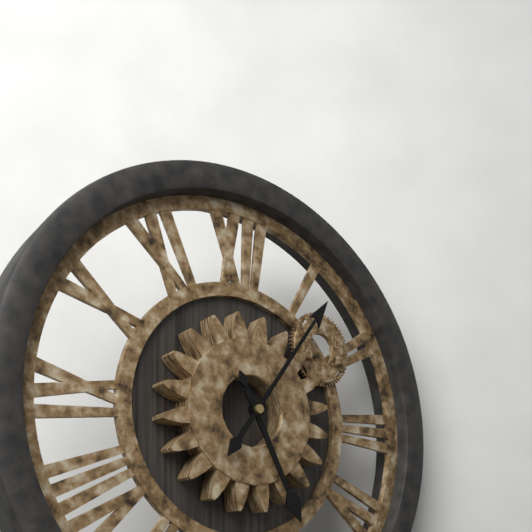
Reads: 5 h 06 min
